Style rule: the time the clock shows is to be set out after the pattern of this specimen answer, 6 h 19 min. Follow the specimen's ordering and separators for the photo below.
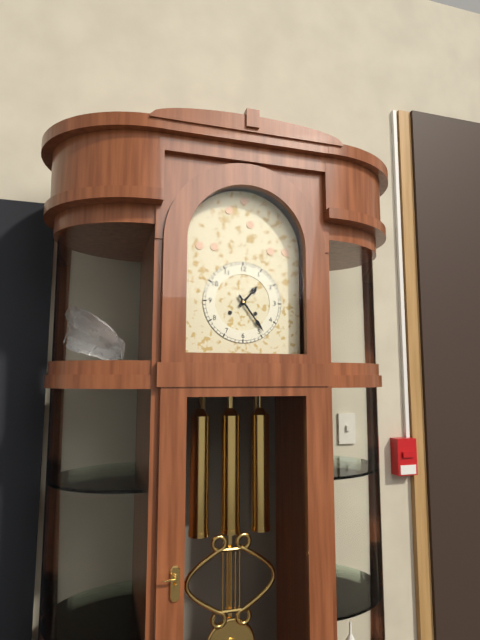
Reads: 1 h 24 min
